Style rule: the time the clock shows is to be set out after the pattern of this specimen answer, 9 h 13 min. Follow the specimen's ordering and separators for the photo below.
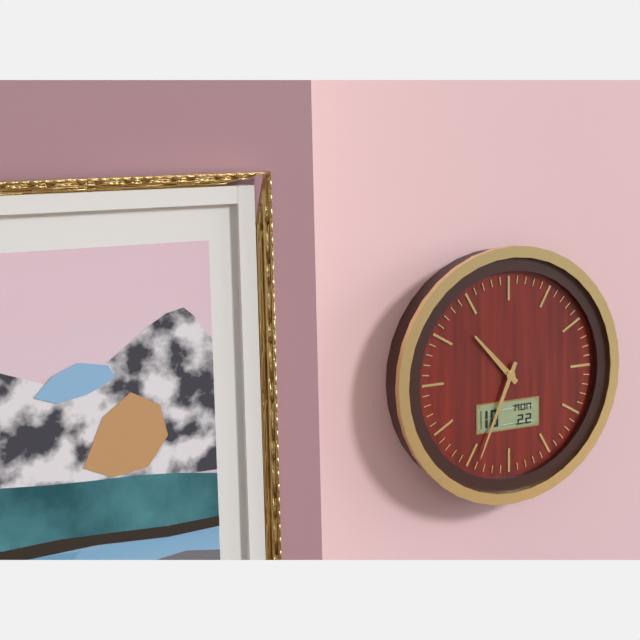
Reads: 10 h 34 min
